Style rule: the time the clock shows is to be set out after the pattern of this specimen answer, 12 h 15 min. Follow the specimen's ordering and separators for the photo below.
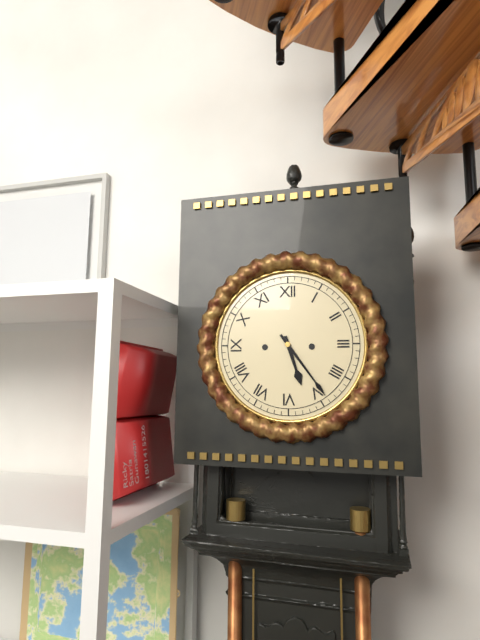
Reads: 5 h 24 min
